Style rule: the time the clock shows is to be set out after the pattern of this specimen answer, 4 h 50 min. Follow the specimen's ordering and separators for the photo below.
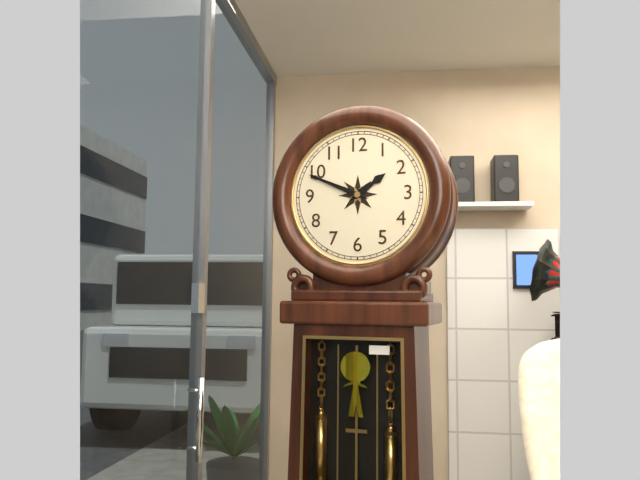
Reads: 1 h 49 min
